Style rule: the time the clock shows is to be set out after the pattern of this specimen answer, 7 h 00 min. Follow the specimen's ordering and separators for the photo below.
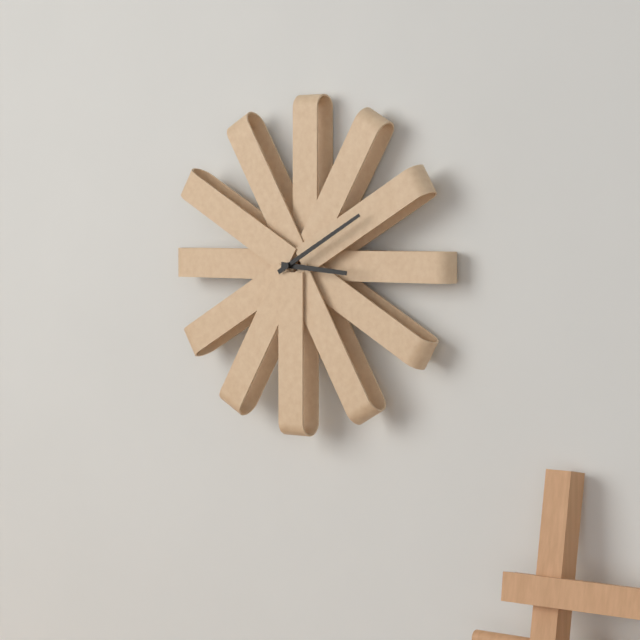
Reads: 3 h 10 min
